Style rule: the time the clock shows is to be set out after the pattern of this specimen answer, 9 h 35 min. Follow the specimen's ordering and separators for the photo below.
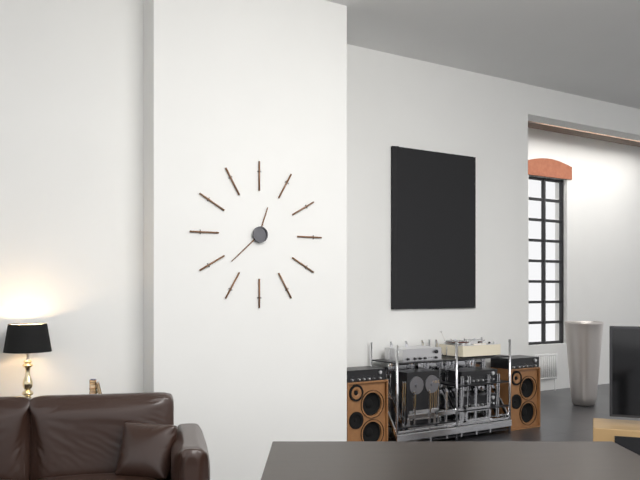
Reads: 12 h 38 min
